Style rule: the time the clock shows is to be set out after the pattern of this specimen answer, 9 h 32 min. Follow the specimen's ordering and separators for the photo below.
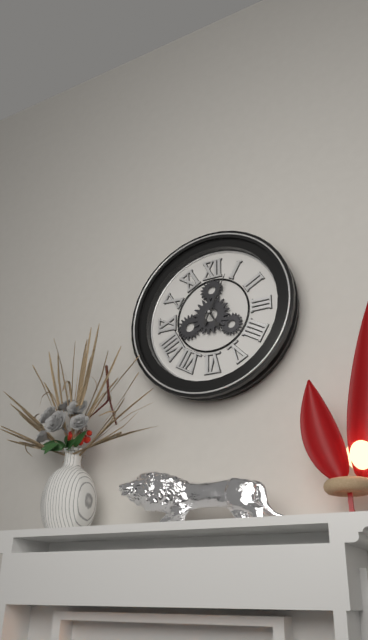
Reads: 5 h 04 min
